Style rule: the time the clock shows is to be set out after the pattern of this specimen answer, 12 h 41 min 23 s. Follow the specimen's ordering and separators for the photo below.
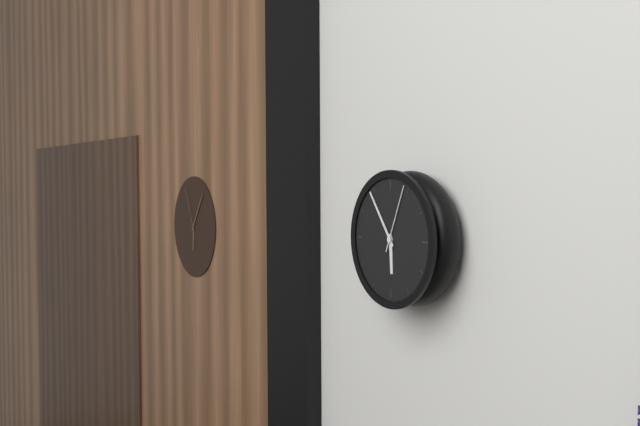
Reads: 5 h 54 min 04 s
